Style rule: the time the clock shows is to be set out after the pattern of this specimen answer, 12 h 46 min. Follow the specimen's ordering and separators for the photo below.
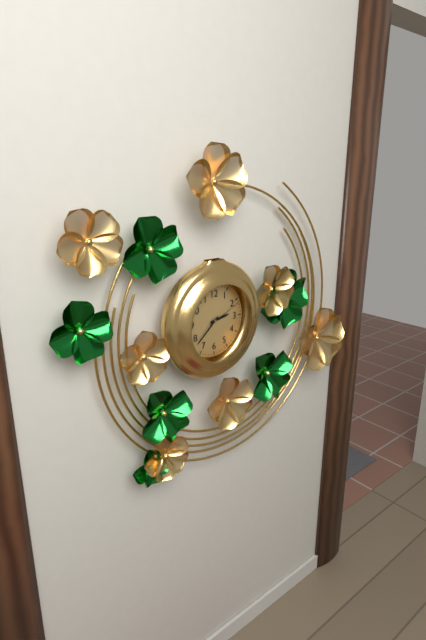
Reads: 2 h 38 min
